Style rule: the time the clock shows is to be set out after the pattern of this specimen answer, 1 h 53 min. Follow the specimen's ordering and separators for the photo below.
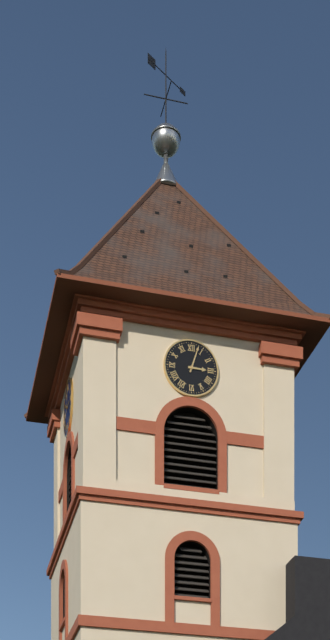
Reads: 3 h 03 min
